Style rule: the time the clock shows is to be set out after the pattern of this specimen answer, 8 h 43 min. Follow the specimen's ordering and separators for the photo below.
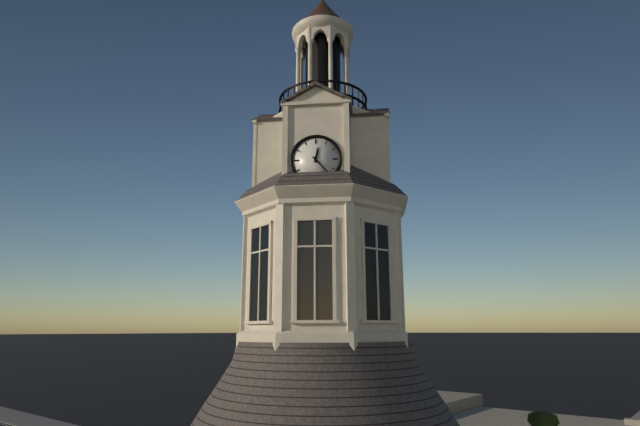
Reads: 12 h 23 min
